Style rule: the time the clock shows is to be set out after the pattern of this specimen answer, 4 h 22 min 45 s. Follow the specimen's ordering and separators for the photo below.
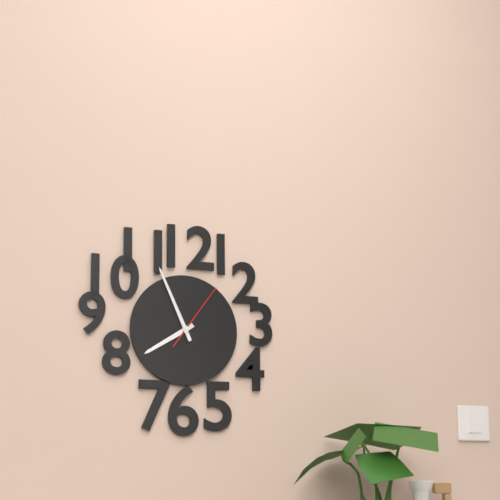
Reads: 7 h 56 min 06 s
